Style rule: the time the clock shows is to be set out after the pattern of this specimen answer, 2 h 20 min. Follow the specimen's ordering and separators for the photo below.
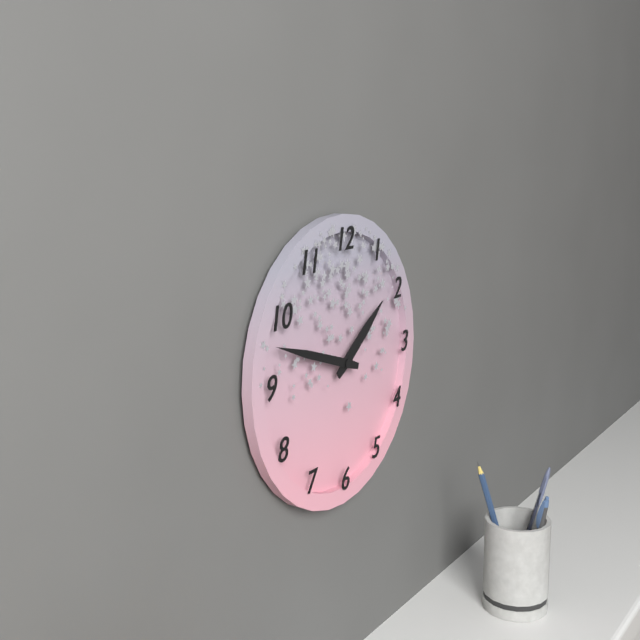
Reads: 1 h 48 min
